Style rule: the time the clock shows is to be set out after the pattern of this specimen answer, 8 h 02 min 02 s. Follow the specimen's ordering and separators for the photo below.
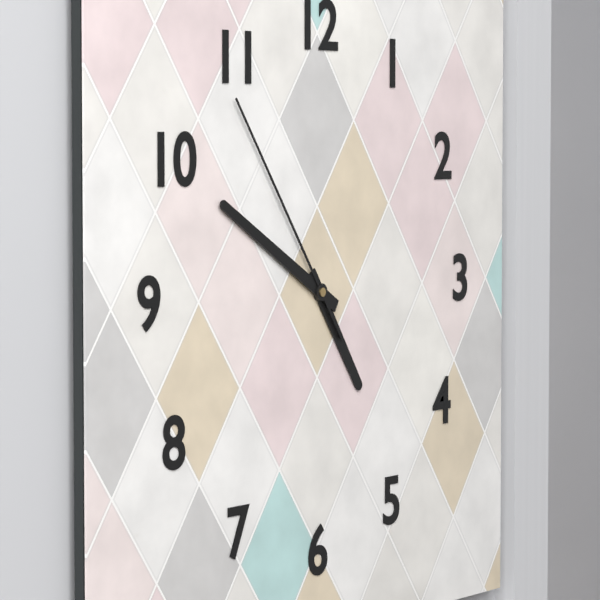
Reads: 4 h 50 min 54 s
